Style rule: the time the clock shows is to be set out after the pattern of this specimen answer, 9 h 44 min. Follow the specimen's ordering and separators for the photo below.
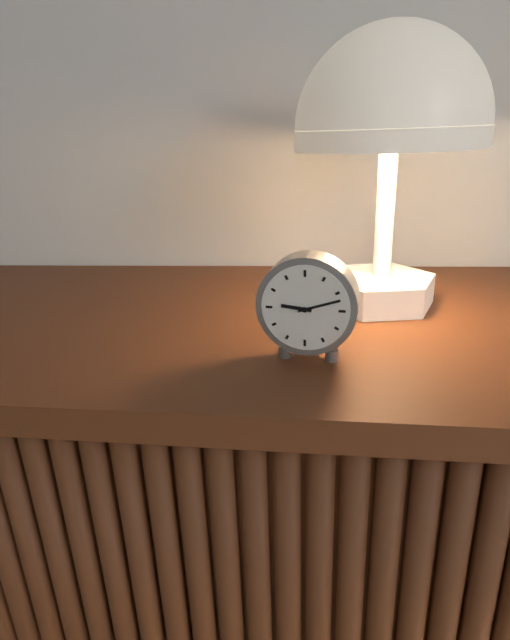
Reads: 9 h 12 min
